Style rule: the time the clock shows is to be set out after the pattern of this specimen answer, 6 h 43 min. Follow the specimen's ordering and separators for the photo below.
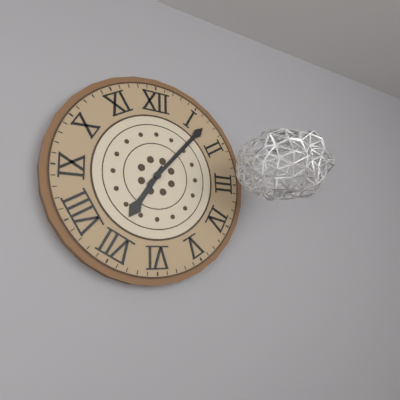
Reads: 7 h 07 min
